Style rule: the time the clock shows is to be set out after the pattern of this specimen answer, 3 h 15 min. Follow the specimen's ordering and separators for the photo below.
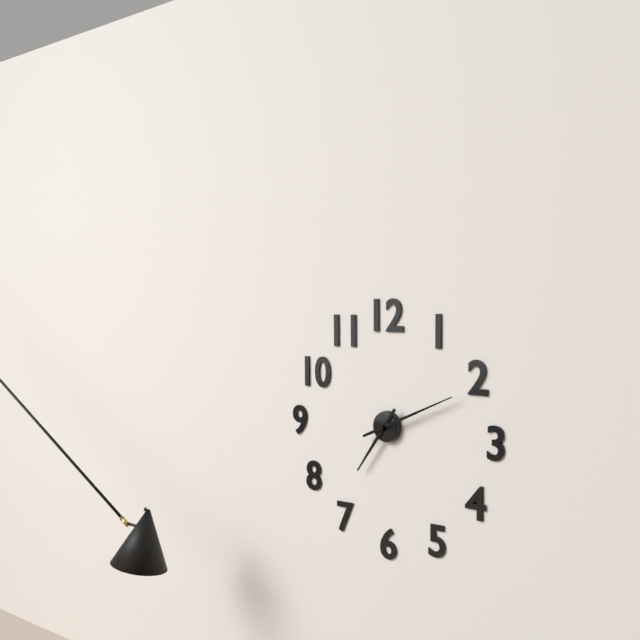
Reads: 7 h 11 min
